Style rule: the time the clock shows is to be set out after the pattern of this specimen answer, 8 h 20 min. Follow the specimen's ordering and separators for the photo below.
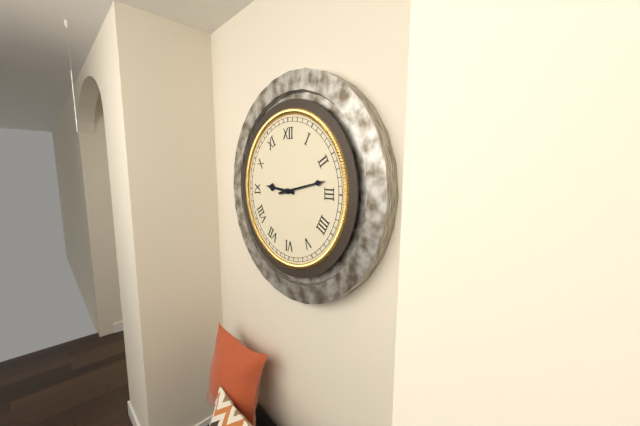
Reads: 9 h 13 min
